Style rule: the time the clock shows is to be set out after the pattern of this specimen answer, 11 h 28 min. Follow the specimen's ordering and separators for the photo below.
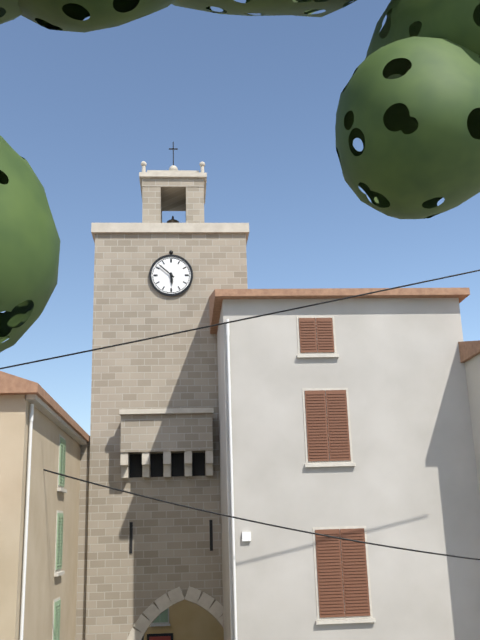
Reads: 5 h 52 min
